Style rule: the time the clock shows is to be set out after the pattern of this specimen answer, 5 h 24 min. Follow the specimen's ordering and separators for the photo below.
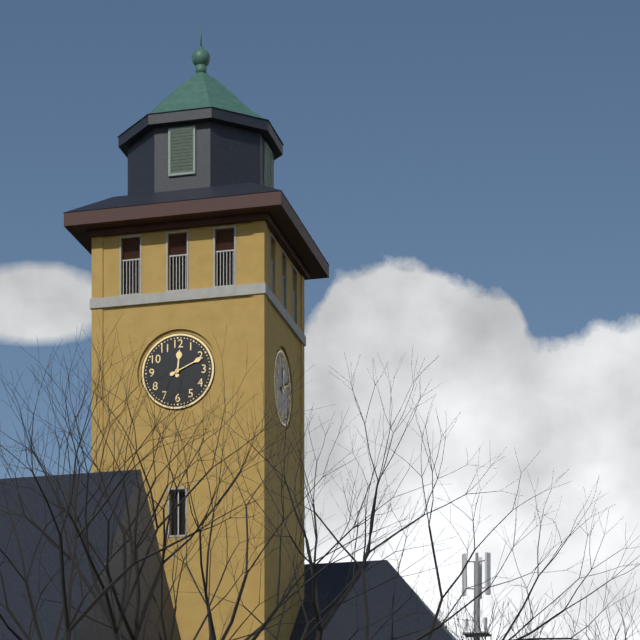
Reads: 12 h 11 min
